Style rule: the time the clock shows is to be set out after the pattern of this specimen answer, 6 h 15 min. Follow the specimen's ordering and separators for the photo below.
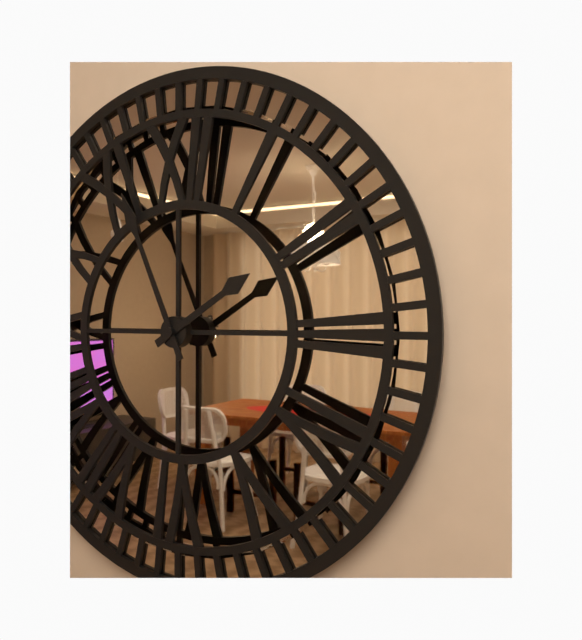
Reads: 1 h 56 min
